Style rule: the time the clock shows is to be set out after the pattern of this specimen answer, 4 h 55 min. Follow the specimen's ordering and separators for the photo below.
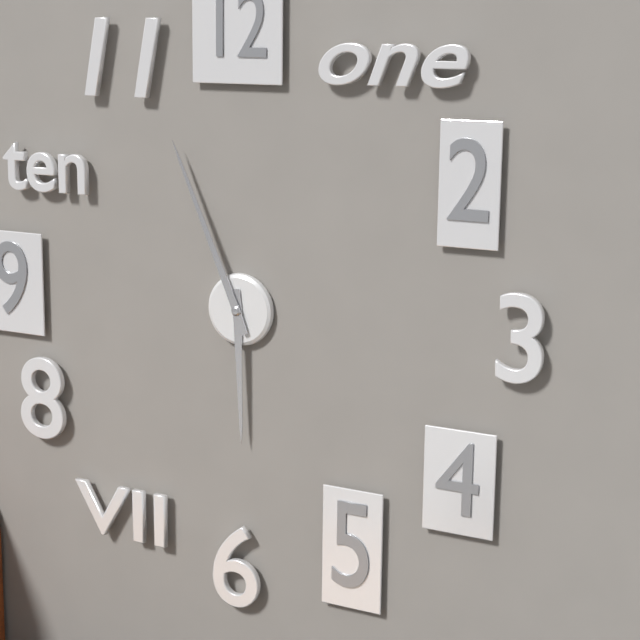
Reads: 5 h 56 min
